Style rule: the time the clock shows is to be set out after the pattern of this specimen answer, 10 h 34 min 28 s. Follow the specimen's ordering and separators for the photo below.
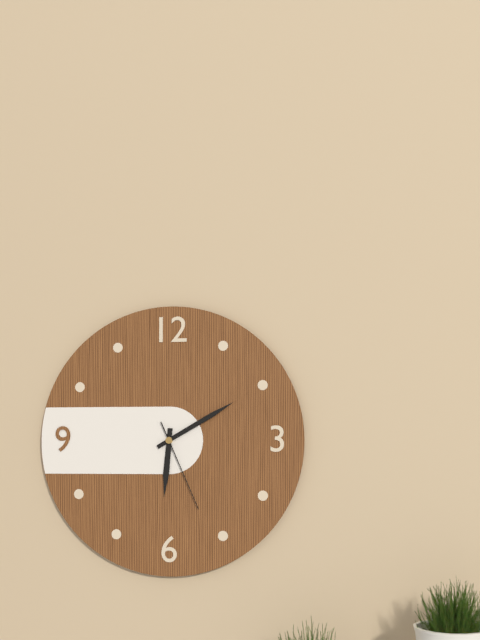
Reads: 6 h 10 min 26 s
